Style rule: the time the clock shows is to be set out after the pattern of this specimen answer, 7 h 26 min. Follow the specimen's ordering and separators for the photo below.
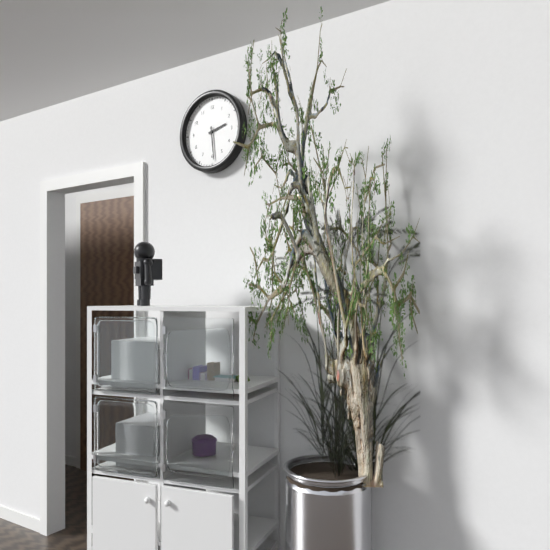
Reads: 2 h 29 min
